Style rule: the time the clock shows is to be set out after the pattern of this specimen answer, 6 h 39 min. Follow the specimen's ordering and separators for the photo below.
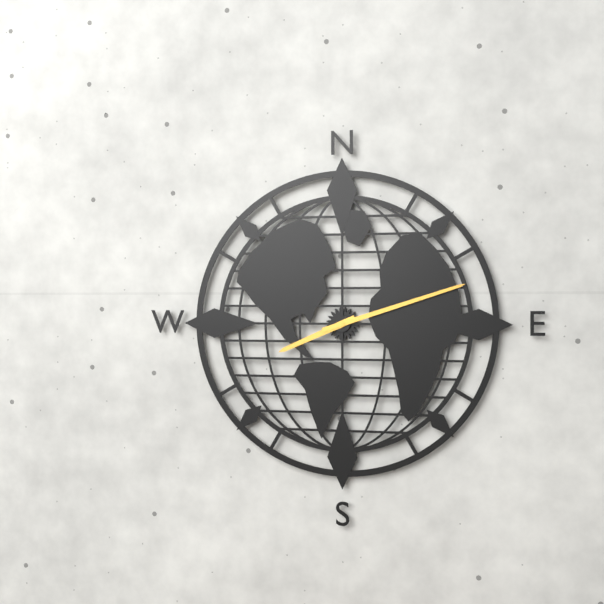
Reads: 8 h 12 min
